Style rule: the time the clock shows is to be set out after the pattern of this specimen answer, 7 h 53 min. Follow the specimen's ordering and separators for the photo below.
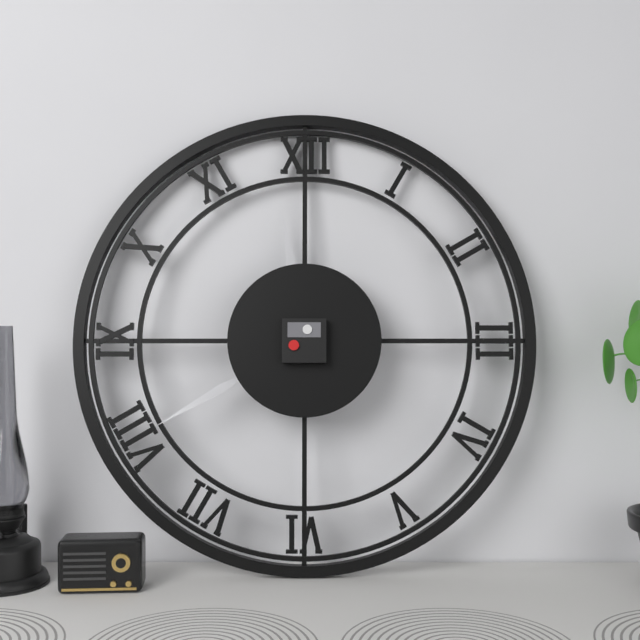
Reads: 11 h 40 min
